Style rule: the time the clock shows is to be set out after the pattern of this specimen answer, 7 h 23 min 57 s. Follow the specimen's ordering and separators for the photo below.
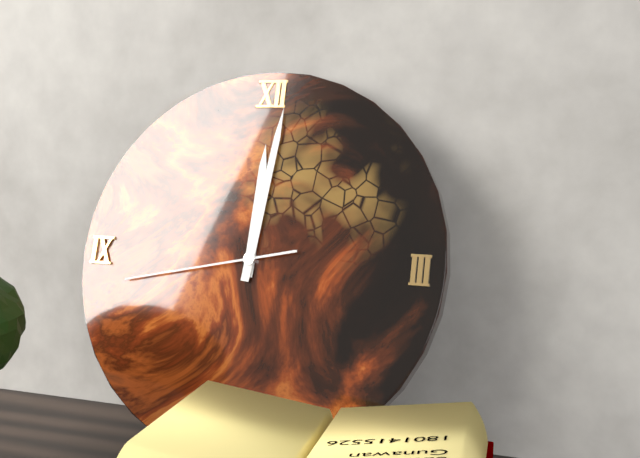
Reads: 12 h 01 min 43 s
